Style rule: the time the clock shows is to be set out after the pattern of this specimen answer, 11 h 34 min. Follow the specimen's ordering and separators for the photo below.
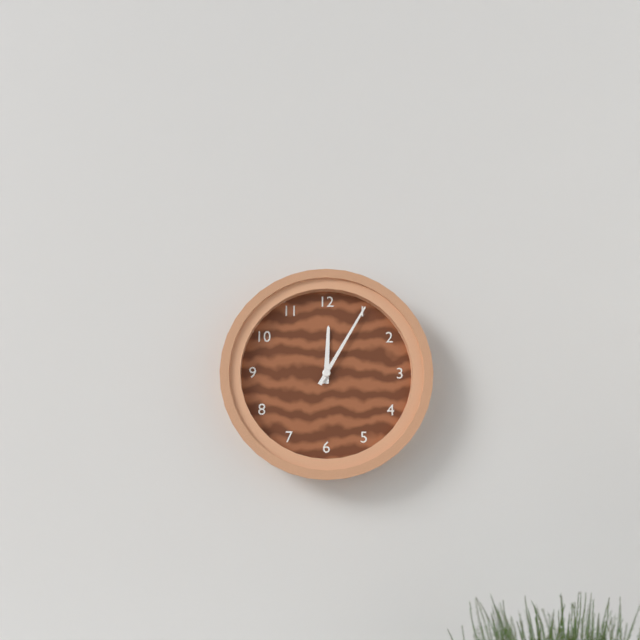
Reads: 12 h 05 min
